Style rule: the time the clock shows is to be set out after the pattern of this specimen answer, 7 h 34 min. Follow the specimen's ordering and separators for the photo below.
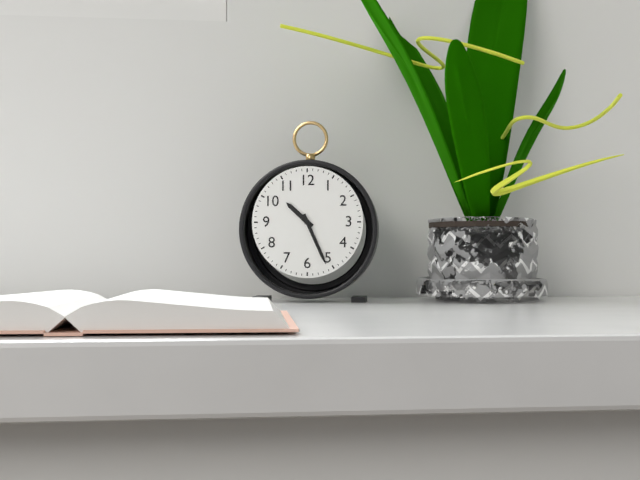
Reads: 10 h 26 min
